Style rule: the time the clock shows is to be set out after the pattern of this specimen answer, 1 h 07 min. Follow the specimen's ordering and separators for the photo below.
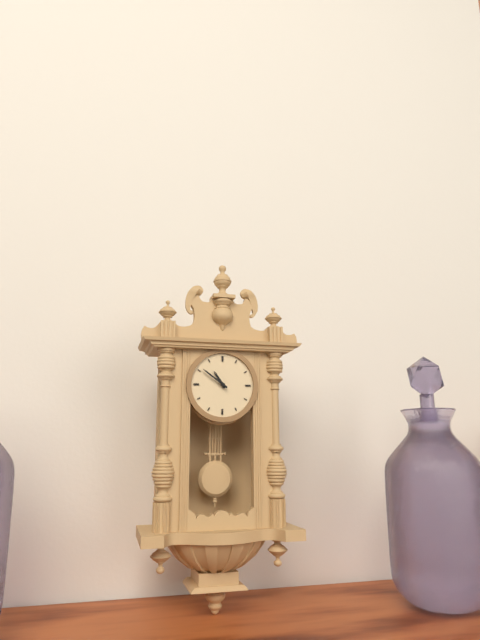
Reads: 10 h 51 min
